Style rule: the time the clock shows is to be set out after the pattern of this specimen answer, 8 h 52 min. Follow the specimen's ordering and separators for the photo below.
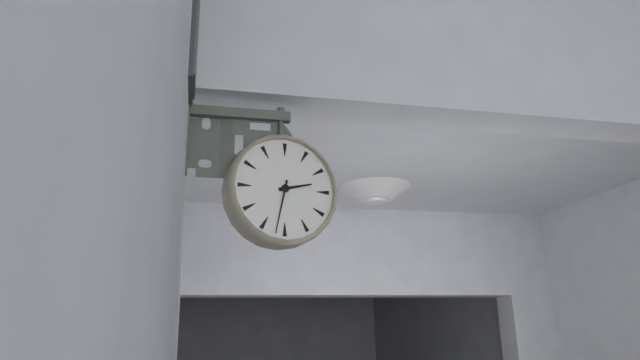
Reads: 2 h 32 min
